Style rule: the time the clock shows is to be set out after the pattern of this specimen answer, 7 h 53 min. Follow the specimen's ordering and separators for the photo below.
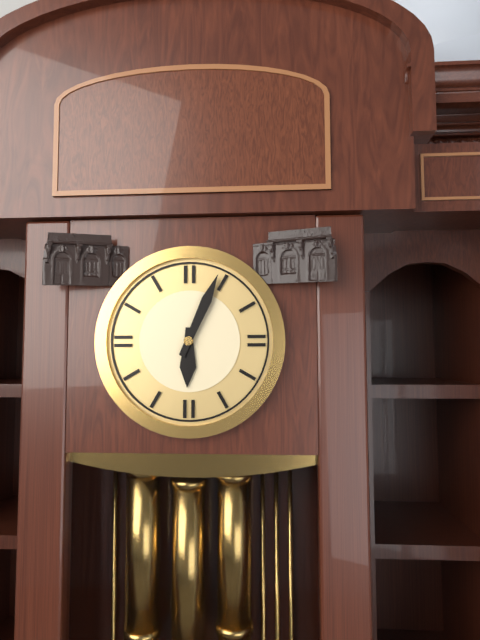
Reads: 6 h 04 min
